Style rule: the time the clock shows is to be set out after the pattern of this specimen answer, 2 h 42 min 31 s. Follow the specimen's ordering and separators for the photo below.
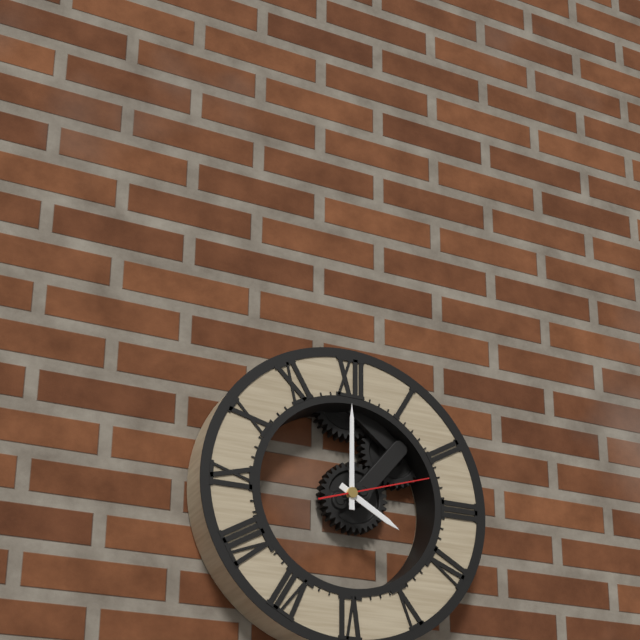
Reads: 4 h 00 min 12 s
